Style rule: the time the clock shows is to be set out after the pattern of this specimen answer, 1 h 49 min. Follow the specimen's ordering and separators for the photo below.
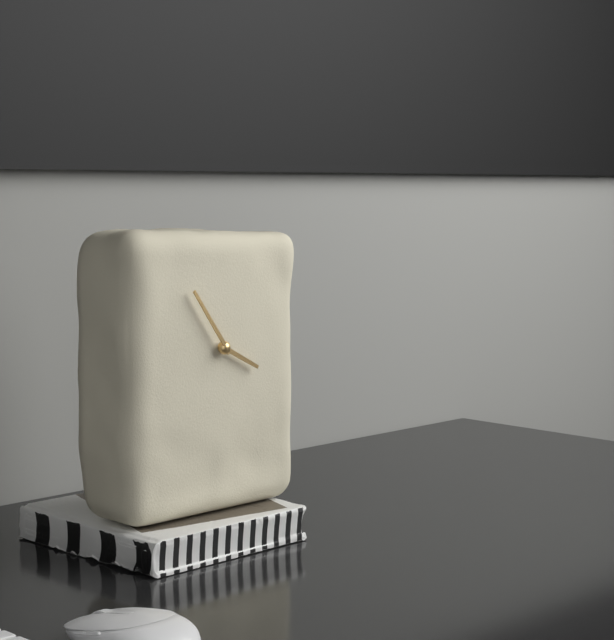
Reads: 3 h 54 min
